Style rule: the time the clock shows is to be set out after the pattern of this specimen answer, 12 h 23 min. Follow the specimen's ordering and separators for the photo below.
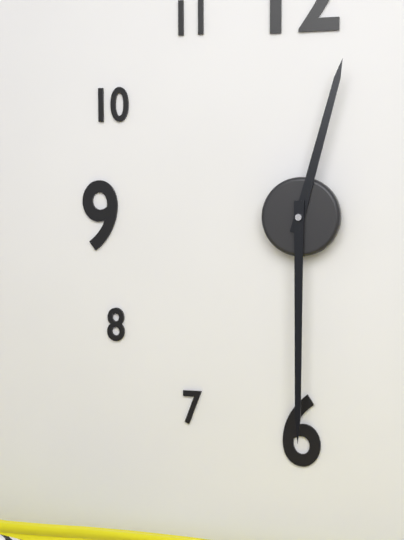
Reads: 12 h 30 min
